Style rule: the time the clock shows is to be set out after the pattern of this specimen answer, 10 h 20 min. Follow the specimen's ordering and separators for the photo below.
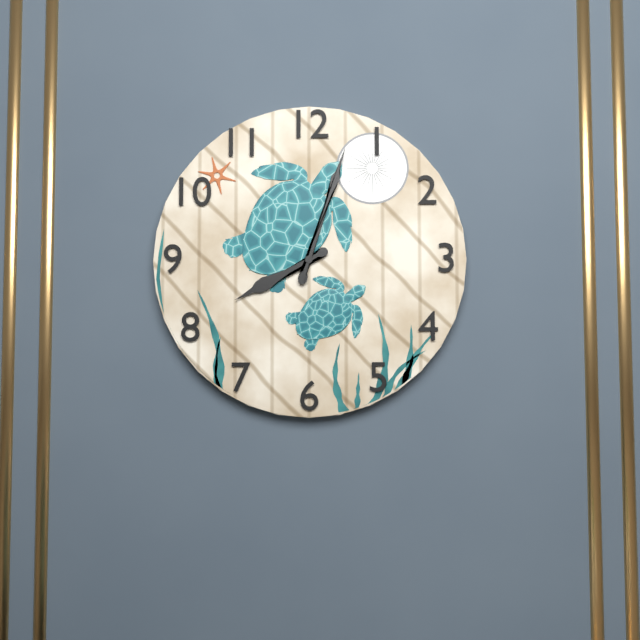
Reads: 8 h 03 min
